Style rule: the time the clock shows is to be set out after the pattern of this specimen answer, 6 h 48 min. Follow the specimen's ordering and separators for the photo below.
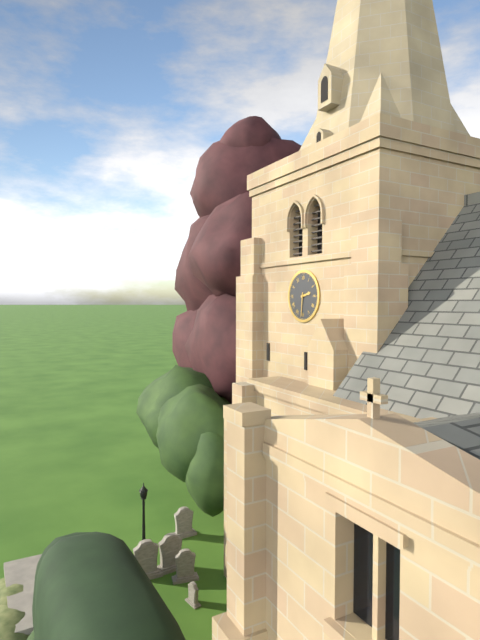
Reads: 2 h 31 min
